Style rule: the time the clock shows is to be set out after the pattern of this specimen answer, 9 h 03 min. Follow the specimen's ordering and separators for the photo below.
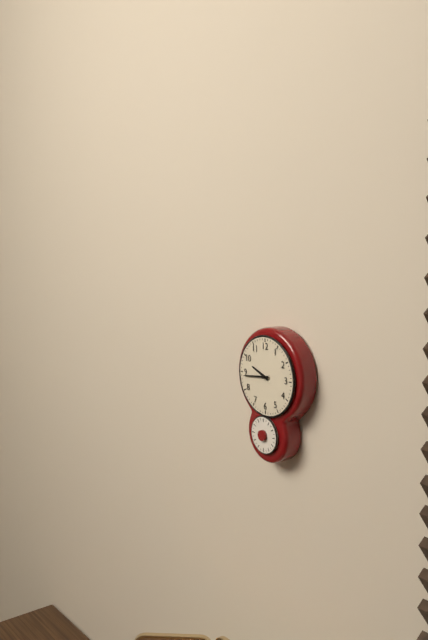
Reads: 9 h 44 min
